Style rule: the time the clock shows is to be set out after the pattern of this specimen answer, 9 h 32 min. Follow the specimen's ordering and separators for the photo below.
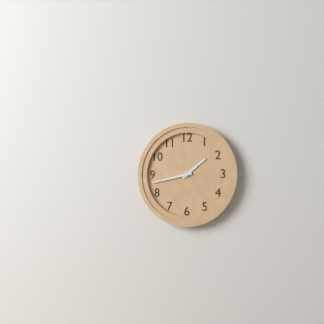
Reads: 1 h 43 min
